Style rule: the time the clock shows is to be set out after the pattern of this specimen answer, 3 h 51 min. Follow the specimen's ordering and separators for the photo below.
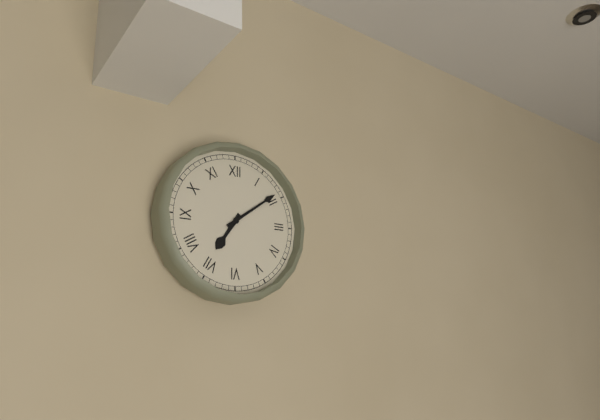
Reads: 7 h 09 min
